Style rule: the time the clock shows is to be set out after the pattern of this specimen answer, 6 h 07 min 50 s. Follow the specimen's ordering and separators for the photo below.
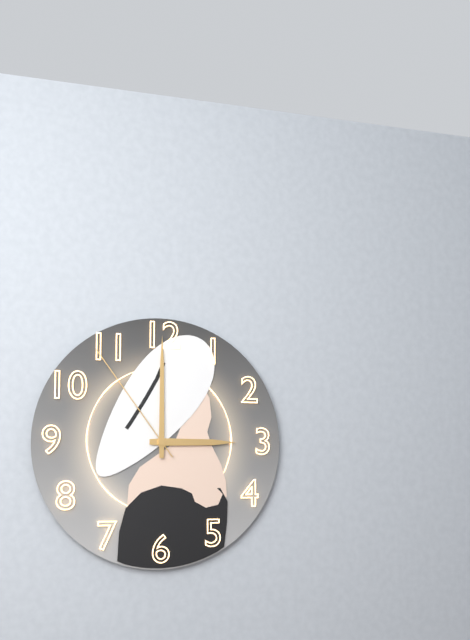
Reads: 3 h 00 min 54 s
